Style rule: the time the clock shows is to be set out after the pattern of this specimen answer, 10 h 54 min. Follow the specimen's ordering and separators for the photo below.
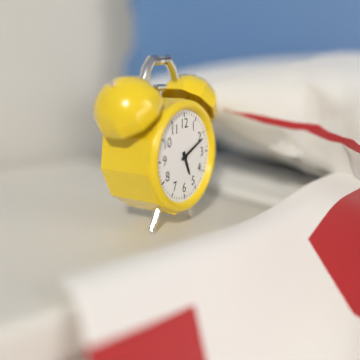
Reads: 5 h 11 min
